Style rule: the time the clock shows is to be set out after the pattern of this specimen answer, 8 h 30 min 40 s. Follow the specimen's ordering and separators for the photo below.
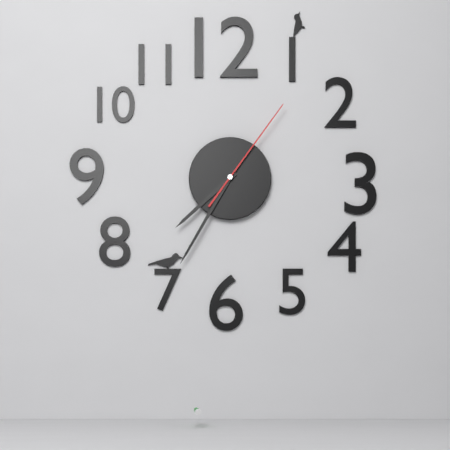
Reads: 7 h 35 min 06 s
